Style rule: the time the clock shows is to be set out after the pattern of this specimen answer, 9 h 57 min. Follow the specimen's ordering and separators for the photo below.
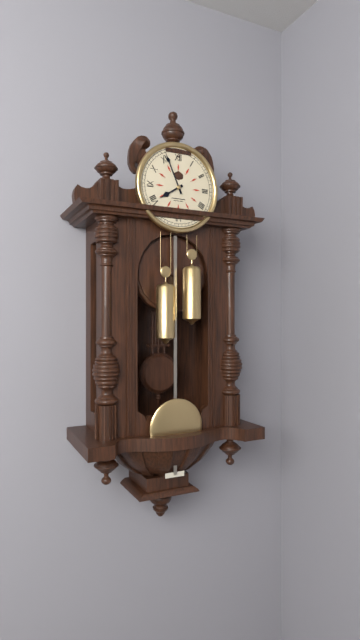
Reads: 7 h 56 min
